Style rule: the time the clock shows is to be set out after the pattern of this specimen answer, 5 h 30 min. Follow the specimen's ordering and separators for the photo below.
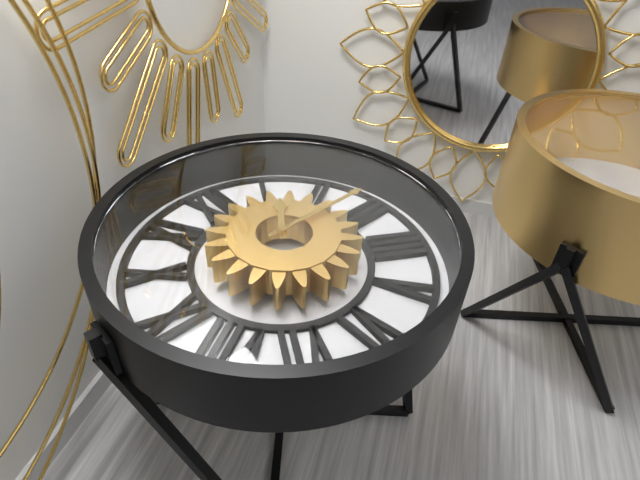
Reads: 1 h 15 min
